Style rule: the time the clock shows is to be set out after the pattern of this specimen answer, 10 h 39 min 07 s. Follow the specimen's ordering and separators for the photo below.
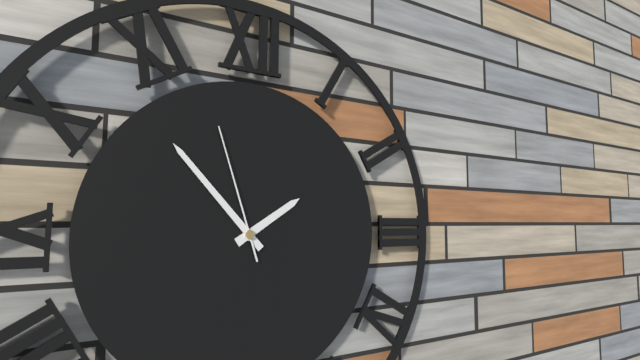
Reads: 1 h 53 min 57 s
